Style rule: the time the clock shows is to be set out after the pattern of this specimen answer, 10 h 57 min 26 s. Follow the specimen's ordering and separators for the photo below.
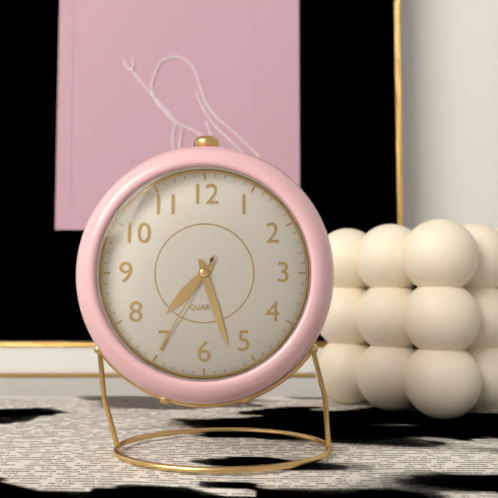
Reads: 7 h 27 min 35 s
